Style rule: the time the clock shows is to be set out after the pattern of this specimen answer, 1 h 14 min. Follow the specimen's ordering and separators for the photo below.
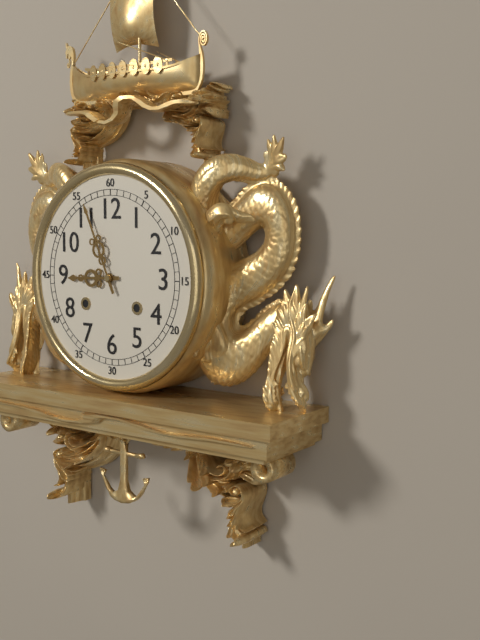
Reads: 8 h 56 min
